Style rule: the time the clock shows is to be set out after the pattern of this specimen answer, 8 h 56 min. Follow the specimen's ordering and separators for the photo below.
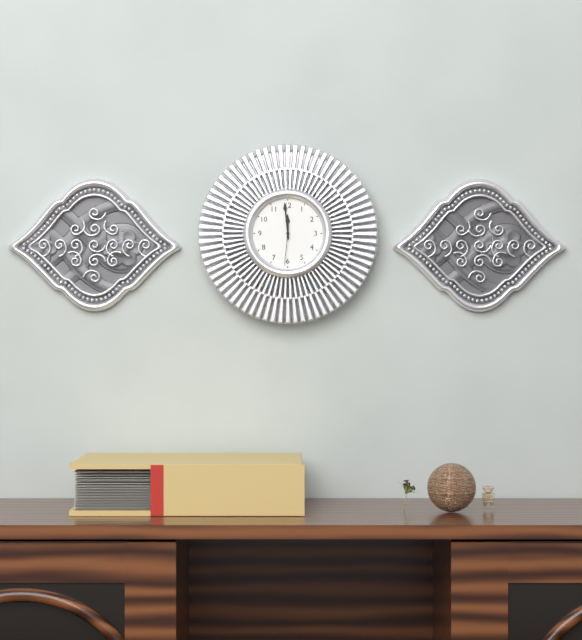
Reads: 11 h 59 min
